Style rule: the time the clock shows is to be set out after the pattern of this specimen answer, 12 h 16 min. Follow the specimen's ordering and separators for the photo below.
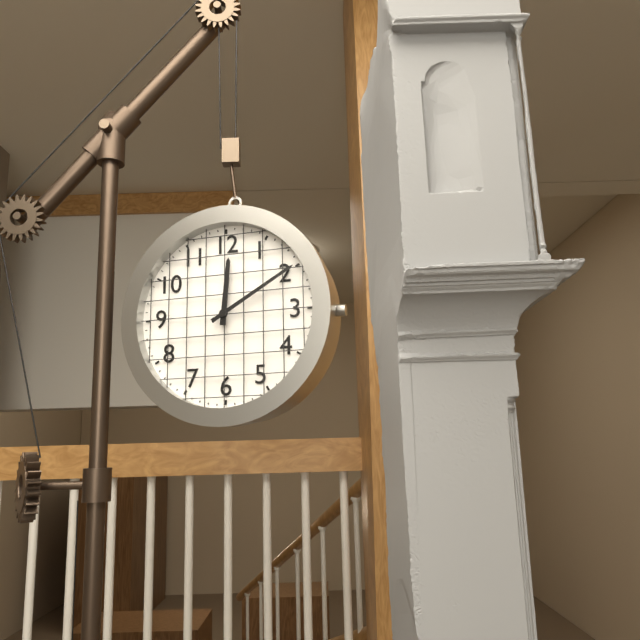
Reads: 12 h 10 min
